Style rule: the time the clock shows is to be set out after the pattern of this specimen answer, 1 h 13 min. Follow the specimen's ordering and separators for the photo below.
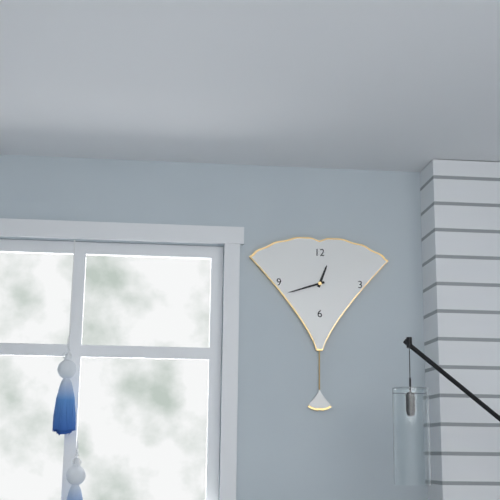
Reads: 12 h 42 min
